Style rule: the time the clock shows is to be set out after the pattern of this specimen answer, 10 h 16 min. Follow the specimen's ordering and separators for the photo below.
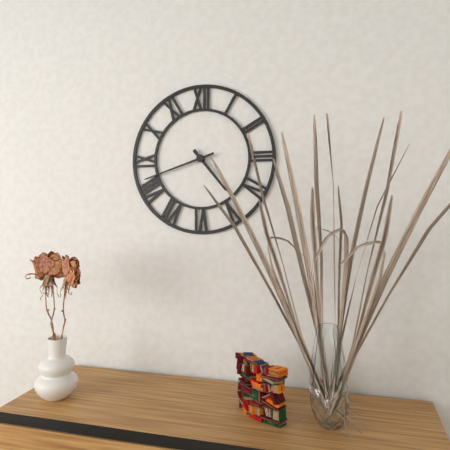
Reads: 4 h 42 min
